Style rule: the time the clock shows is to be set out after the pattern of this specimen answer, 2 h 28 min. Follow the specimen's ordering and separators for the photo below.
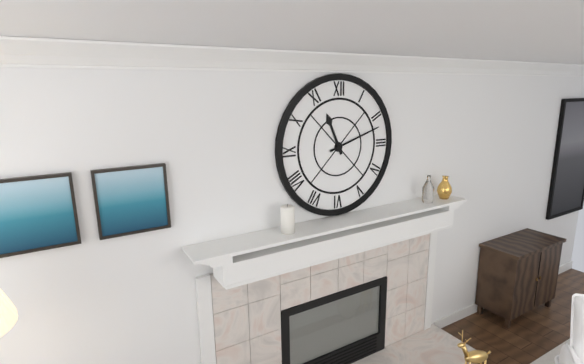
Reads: 11 h 12 min
